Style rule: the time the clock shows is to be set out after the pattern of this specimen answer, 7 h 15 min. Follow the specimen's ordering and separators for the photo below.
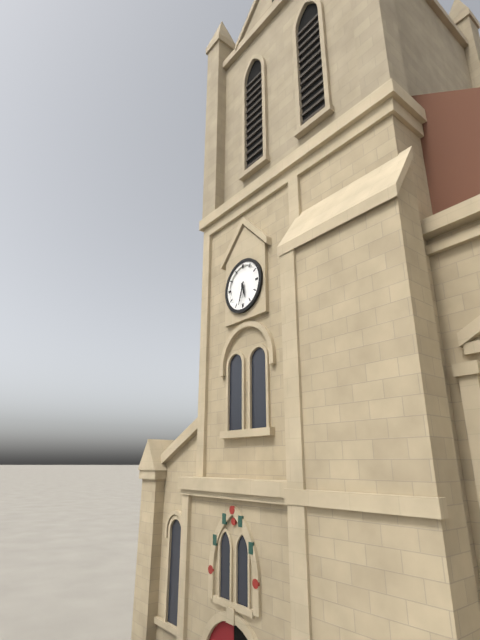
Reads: 5 h 33 min
